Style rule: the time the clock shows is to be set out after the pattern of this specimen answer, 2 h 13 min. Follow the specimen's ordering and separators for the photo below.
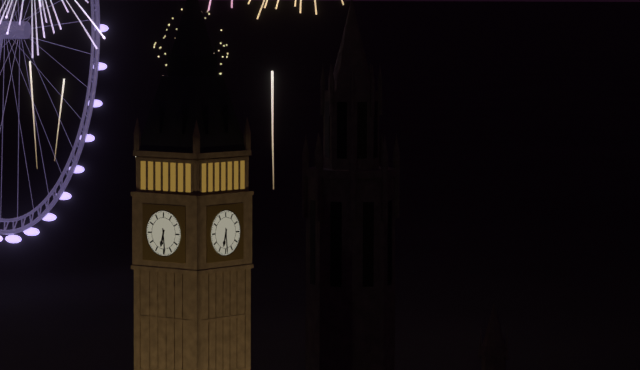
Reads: 6 h 29 min
